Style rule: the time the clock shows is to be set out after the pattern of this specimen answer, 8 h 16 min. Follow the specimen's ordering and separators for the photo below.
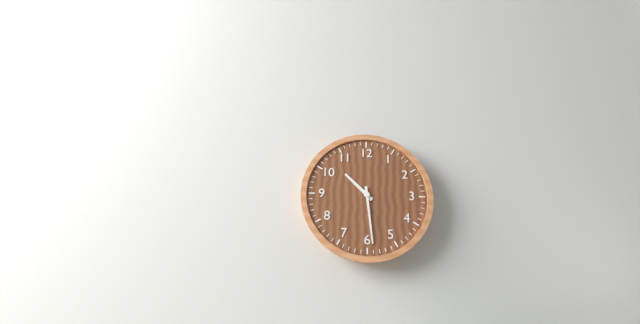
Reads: 10 h 29 min
